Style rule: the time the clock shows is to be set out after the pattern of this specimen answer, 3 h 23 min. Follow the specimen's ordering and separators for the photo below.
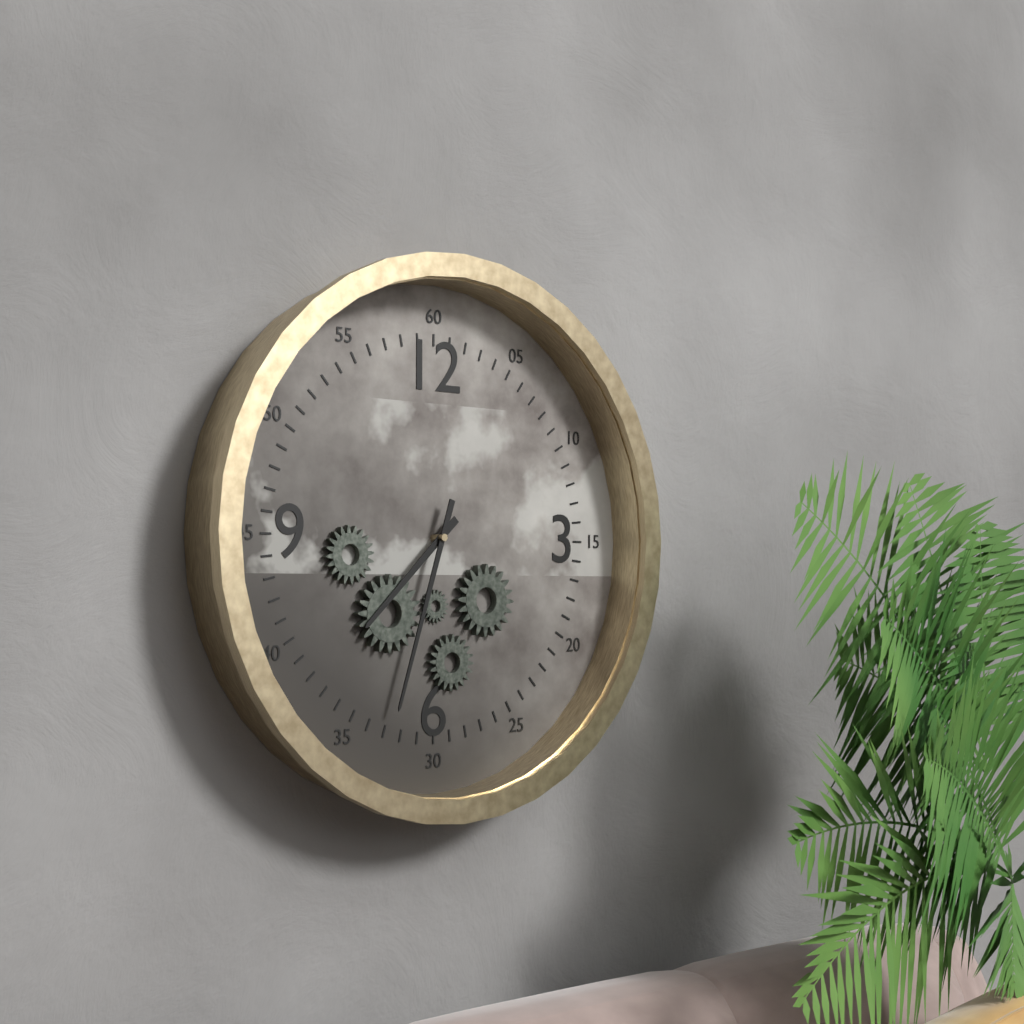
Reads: 7 h 33 min
